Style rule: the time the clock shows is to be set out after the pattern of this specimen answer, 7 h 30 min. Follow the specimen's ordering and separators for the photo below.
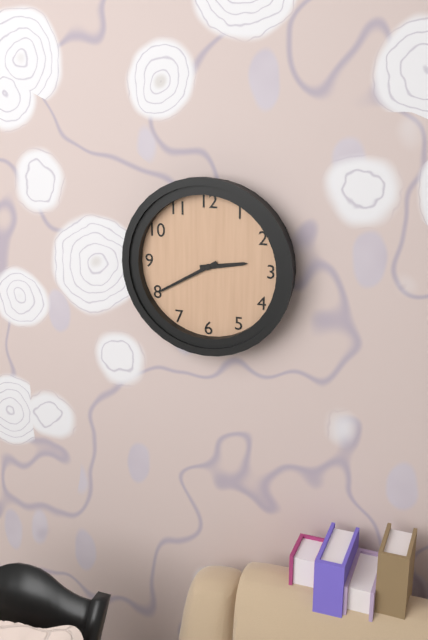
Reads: 2 h 40 min
